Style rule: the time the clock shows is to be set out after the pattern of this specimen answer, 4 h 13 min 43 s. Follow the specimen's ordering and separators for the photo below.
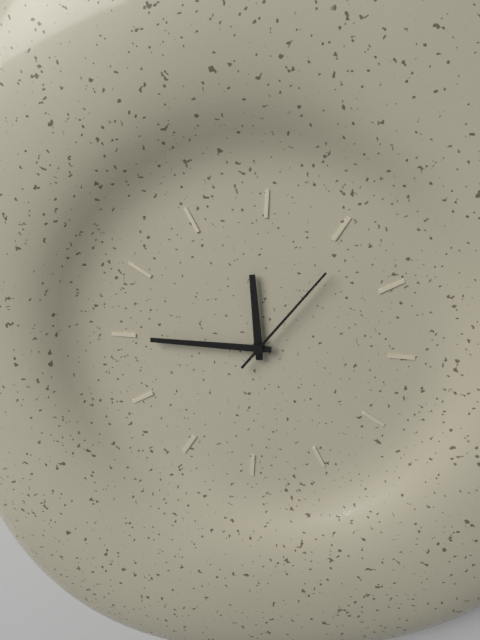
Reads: 11 h 45 min 06 s
